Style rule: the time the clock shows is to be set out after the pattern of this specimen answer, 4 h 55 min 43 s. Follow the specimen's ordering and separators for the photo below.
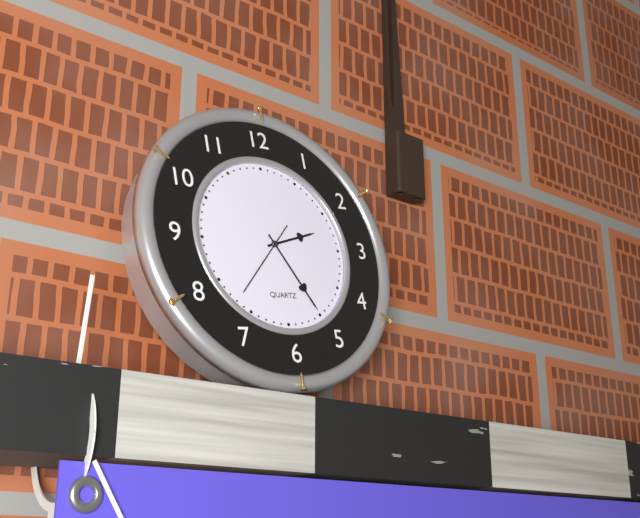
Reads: 2 h 25 min 37 s
